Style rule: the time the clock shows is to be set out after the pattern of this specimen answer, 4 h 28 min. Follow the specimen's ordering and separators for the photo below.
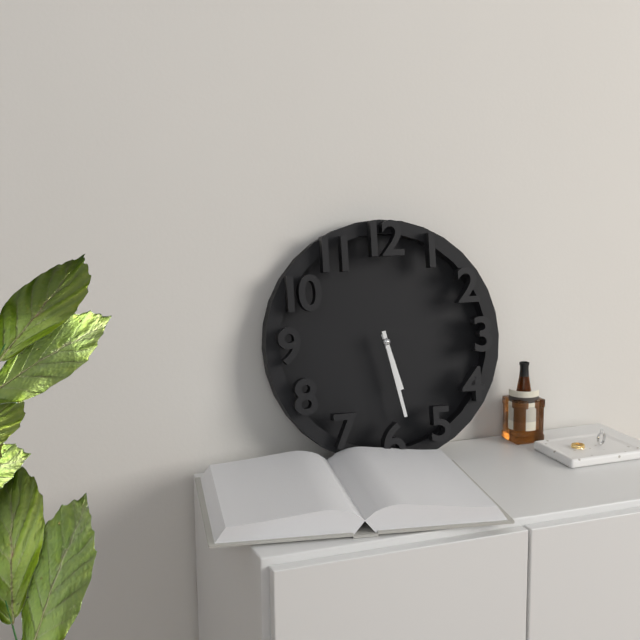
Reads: 5 h 28 min
